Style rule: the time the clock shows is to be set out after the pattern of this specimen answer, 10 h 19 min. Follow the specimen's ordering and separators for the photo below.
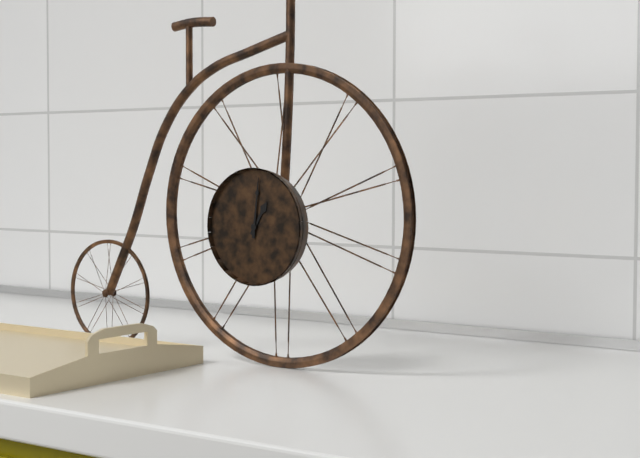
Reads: 1 h 01 min
